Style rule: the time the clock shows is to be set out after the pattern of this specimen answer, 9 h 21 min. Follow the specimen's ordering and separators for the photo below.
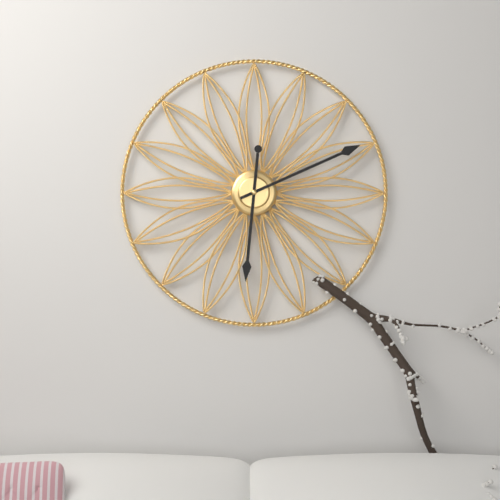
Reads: 6 h 11 min
